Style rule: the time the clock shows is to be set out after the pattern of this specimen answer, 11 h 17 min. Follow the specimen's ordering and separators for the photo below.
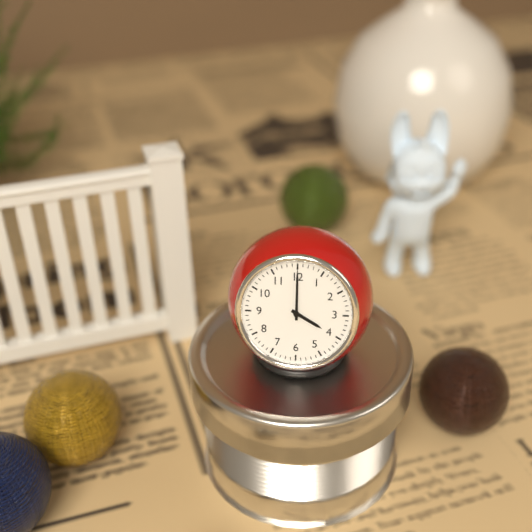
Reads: 4 h 00 min
